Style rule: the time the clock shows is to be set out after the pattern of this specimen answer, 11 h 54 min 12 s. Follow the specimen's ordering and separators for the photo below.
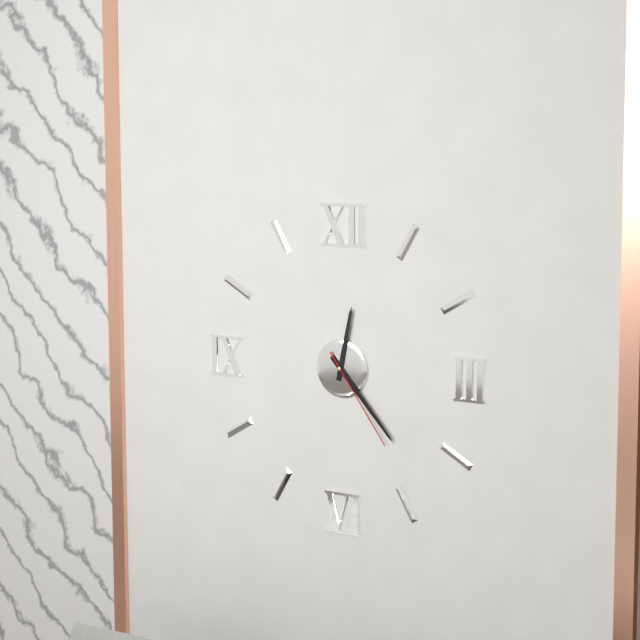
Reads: 12 h 23 min 24 s
